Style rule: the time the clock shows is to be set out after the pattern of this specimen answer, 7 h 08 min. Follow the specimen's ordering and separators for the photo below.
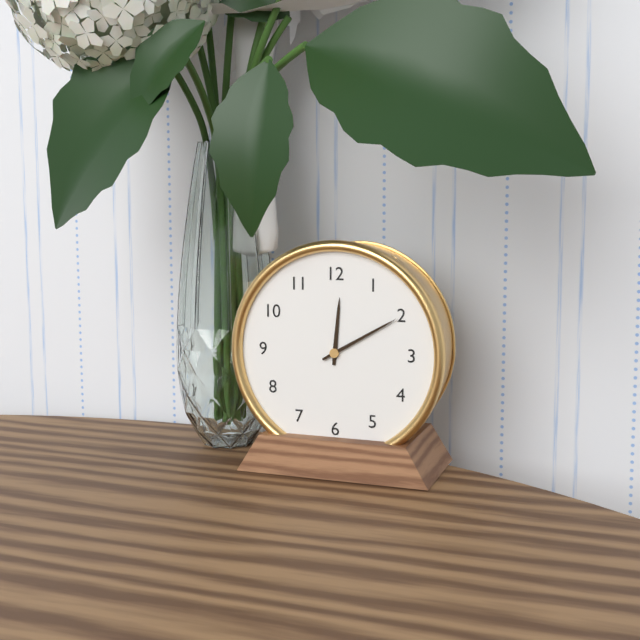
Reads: 12 h 10 min
